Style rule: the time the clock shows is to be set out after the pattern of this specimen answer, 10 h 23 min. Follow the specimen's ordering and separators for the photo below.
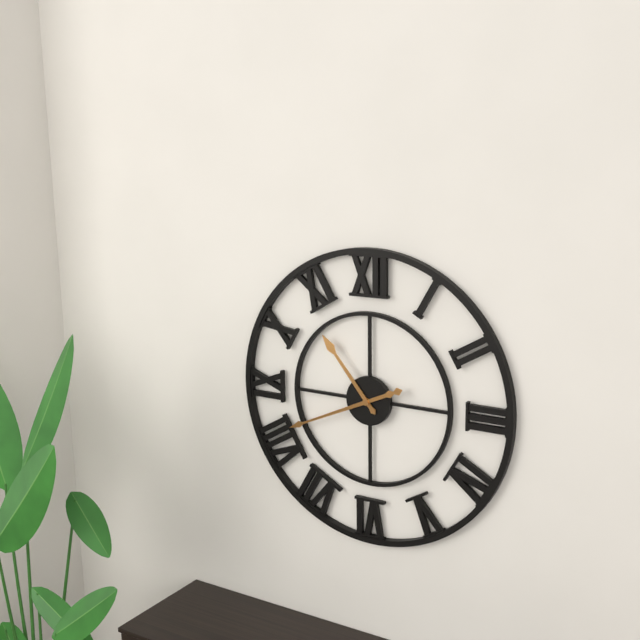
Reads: 10 h 41 min
